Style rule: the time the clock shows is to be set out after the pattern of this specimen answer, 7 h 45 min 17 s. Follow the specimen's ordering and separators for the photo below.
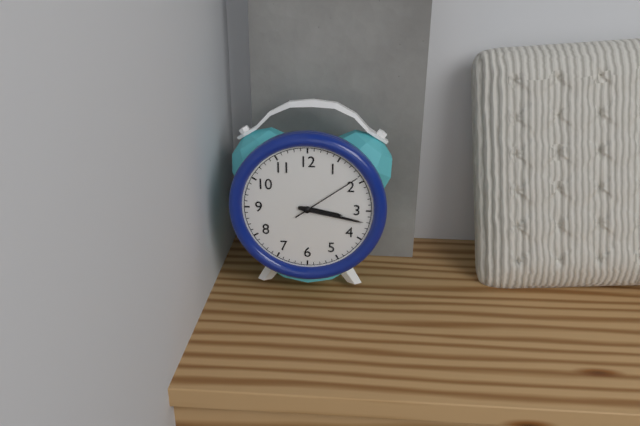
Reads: 3 h 17 min 09 s
